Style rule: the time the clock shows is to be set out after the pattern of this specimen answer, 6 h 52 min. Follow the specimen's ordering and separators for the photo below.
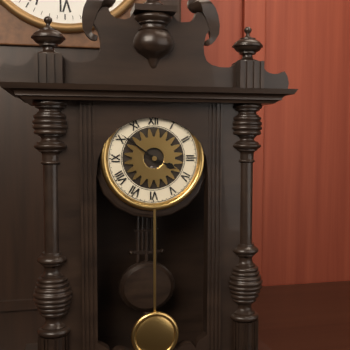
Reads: 3 h 51 min
